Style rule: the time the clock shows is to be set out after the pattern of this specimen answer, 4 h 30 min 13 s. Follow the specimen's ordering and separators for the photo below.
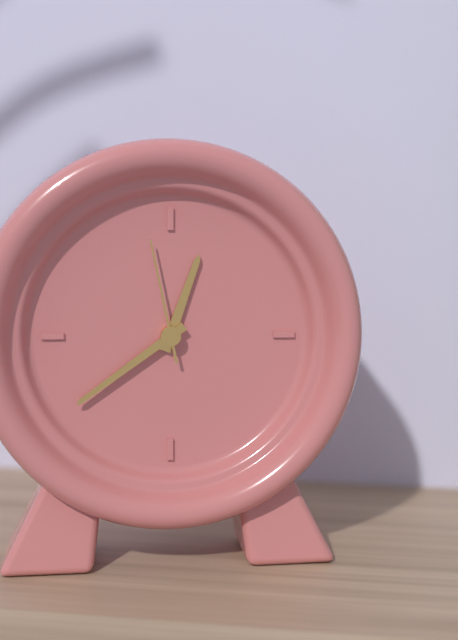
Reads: 12 h 39 min 58 s
